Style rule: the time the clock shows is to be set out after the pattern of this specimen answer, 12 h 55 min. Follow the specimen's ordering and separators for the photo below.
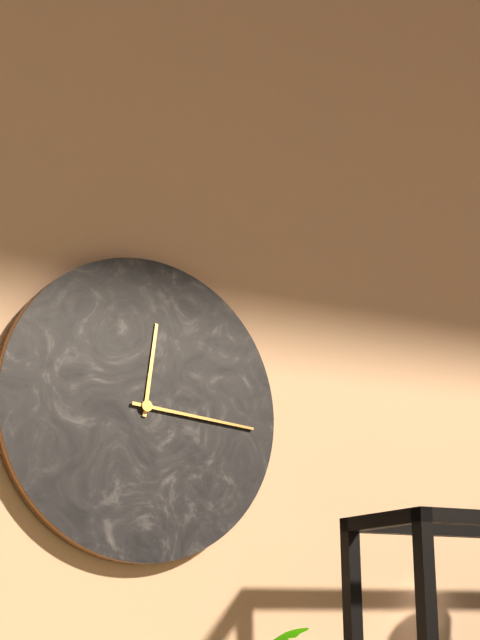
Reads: 12 h 16 min
